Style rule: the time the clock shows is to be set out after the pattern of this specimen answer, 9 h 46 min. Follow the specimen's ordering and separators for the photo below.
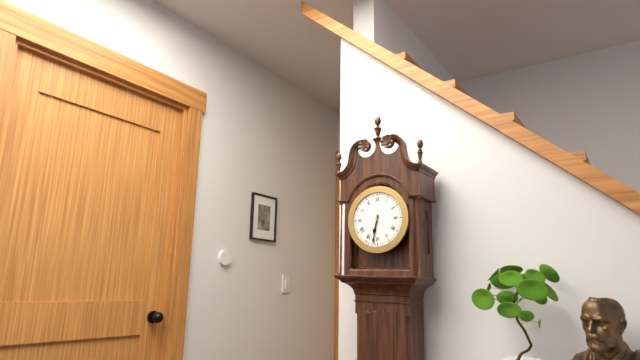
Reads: 6 h 32 min
